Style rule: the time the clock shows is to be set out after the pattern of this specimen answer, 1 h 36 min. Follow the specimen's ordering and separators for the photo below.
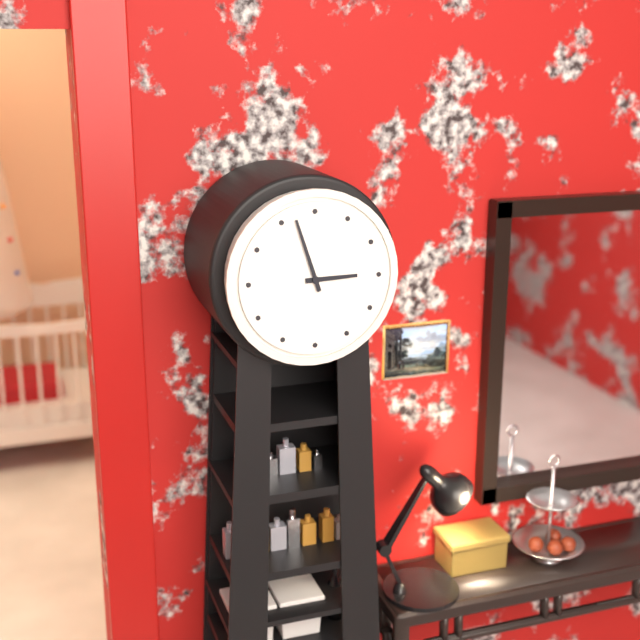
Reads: 2 h 57 min
